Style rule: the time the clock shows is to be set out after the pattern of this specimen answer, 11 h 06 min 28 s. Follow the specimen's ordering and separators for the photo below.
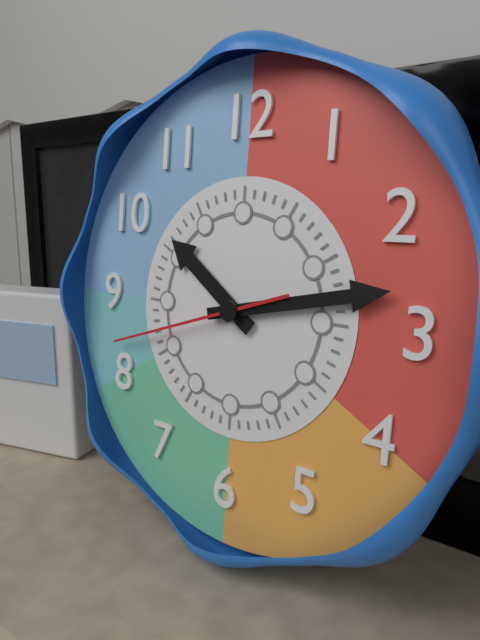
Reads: 10 h 13 min 42 s
